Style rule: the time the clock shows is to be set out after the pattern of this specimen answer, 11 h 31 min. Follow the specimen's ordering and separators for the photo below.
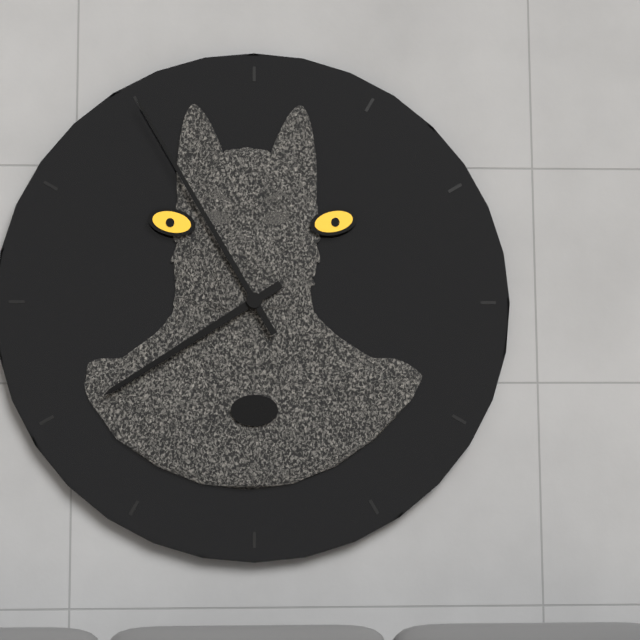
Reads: 7 h 55 min
